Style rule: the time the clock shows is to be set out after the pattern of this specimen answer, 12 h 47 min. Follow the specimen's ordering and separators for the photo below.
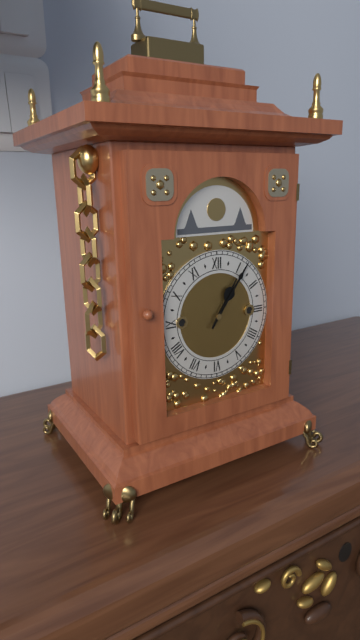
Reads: 1 h 06 min
